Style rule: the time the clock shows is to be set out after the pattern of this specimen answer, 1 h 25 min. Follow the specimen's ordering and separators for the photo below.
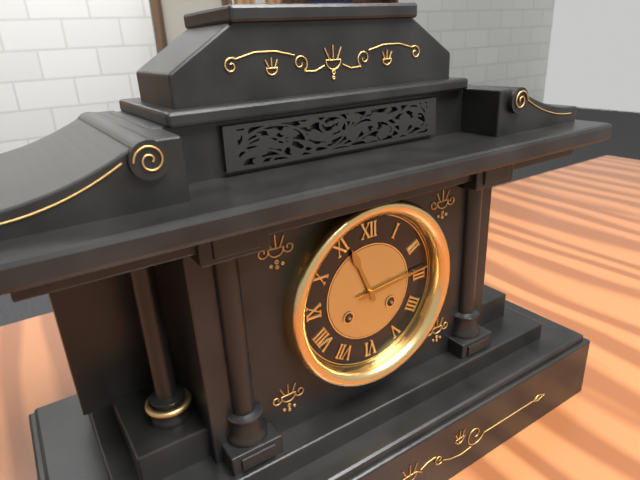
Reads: 11 h 14 min
